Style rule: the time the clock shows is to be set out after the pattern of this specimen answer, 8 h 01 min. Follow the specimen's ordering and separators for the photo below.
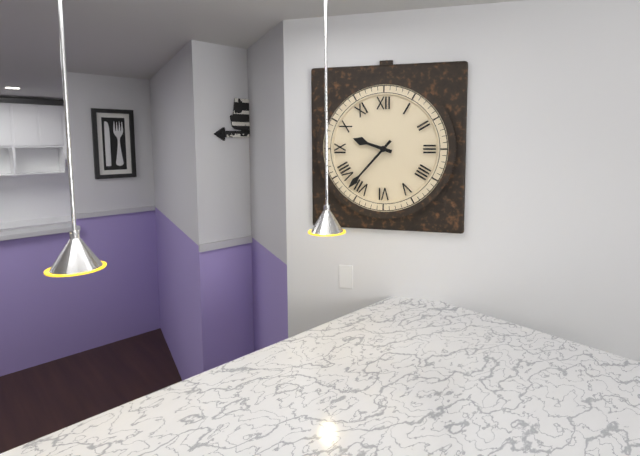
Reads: 9 h 37 min
